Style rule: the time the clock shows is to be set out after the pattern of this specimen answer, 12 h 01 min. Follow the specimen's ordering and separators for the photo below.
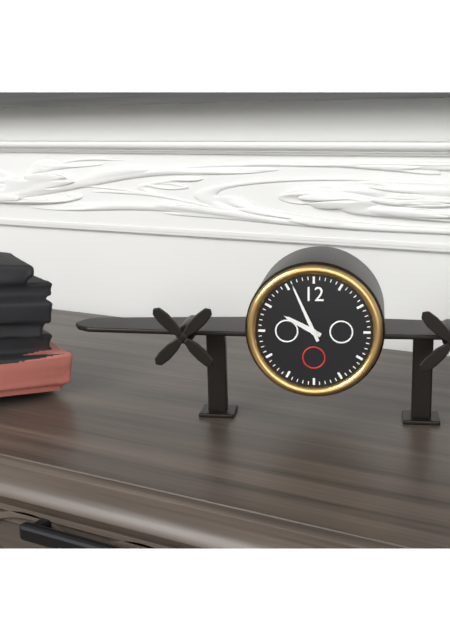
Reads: 9 h 56 min
